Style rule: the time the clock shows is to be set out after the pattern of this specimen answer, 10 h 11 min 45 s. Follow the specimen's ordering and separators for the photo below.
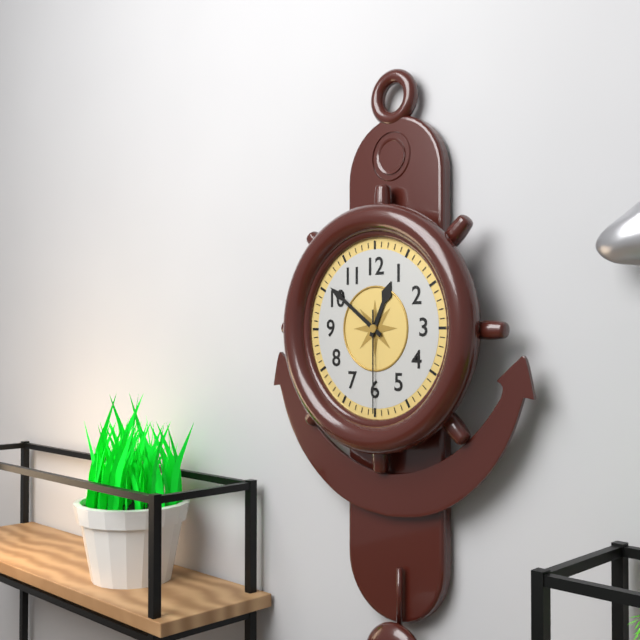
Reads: 12 h 51 min 30 s
